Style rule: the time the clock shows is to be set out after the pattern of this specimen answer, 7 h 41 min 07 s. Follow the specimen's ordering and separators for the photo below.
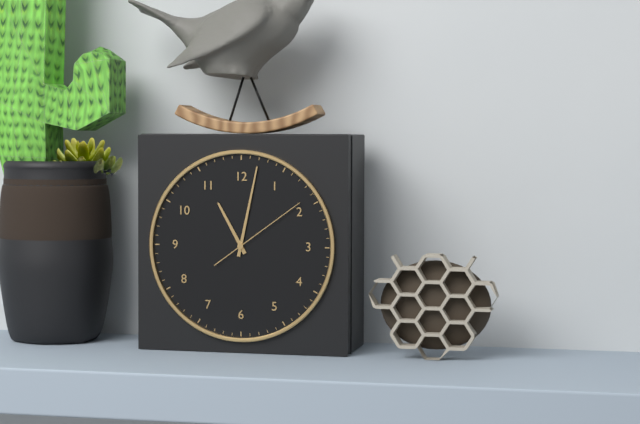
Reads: 11 h 02 min 09 s
